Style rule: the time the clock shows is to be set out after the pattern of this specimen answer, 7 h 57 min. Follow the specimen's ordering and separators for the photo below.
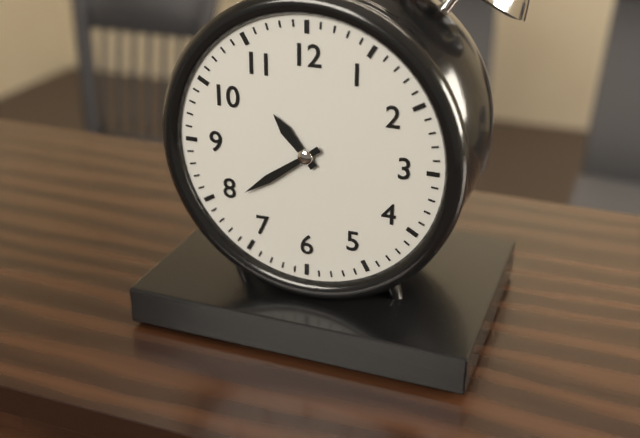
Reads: 10 h 39 min
